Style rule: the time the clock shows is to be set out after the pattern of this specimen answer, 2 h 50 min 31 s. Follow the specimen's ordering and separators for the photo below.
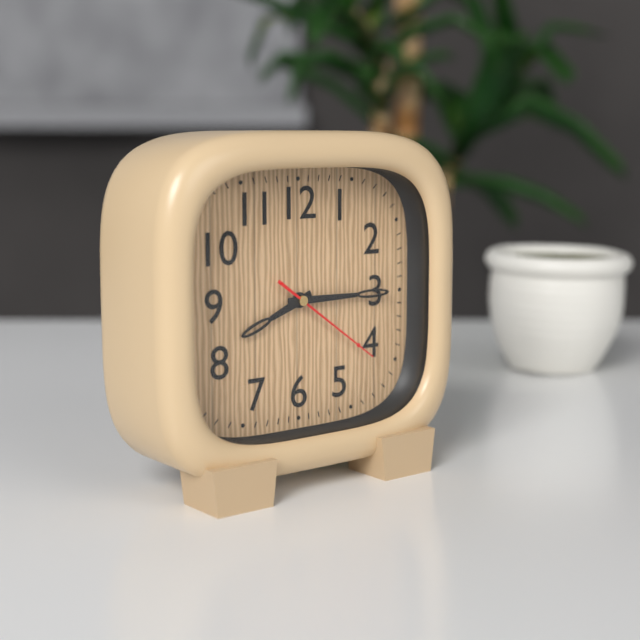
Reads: 8 h 15 min 21 s
